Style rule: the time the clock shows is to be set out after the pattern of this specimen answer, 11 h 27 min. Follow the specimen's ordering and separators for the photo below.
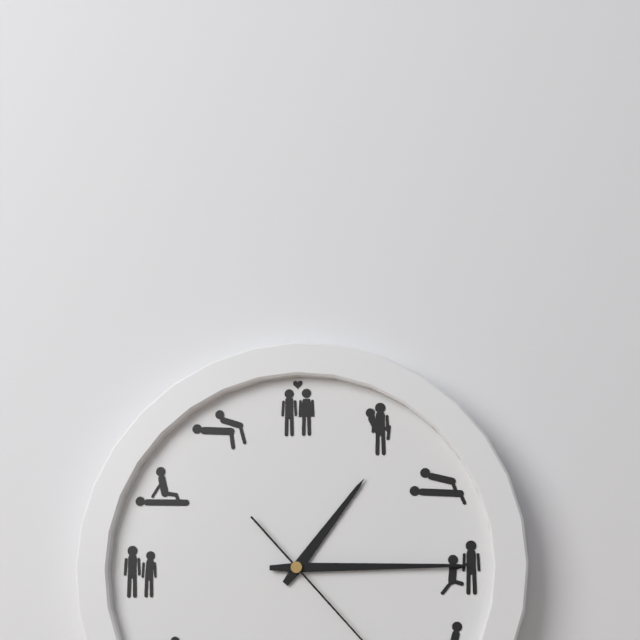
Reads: 1 h 15 min
